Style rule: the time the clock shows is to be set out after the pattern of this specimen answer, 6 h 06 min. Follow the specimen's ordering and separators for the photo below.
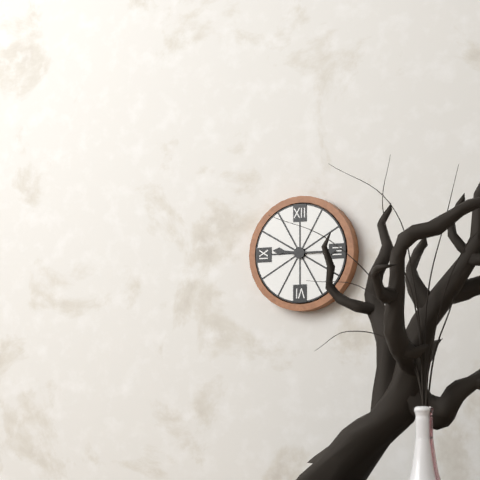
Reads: 9 h 15 min
